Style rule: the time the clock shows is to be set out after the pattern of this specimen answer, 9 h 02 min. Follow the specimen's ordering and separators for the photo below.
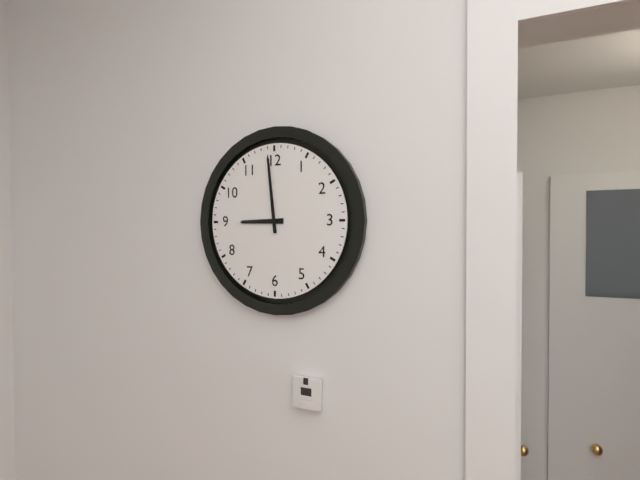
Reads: 8 h 59 min
